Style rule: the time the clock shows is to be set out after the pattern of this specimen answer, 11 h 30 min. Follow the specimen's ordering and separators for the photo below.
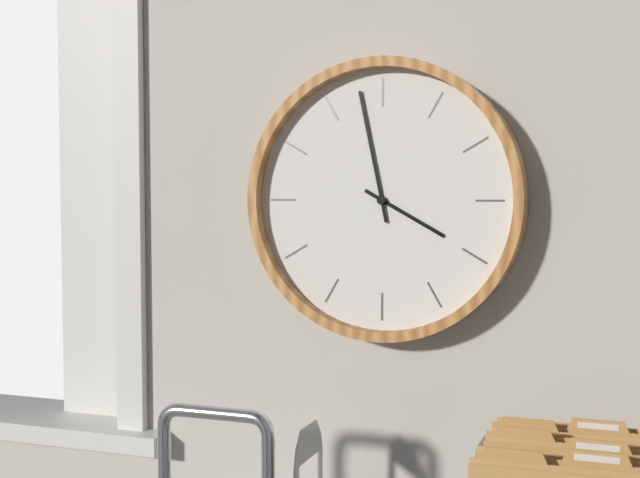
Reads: 3 h 58 min
